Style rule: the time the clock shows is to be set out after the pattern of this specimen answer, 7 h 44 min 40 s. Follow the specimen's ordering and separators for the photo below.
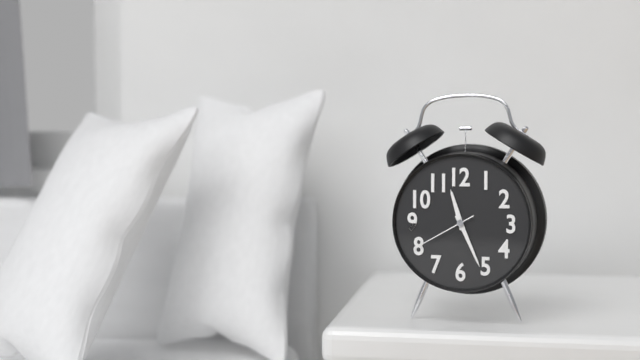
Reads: 11 h 26 min 40 s
